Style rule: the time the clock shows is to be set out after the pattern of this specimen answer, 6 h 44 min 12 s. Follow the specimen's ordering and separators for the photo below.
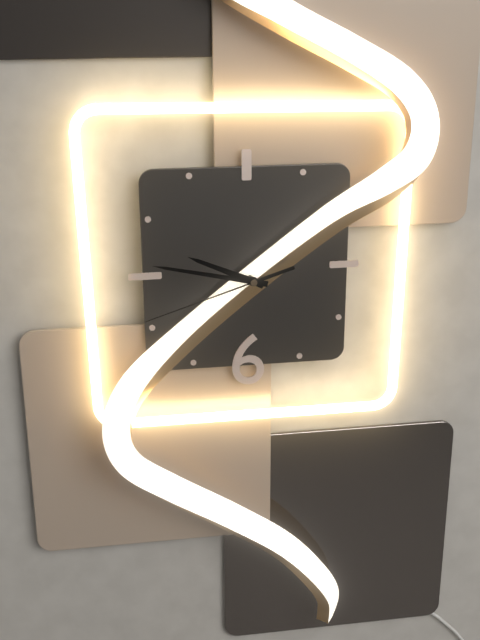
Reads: 9 h 47 min 42 s
